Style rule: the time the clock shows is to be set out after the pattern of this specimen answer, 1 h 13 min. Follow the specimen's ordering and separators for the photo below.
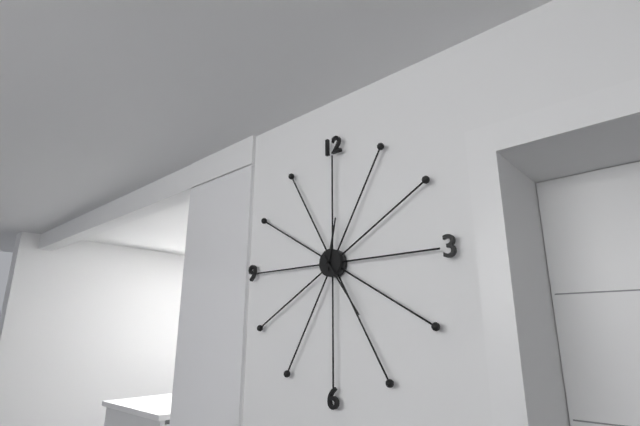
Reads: 12 h 24 min
